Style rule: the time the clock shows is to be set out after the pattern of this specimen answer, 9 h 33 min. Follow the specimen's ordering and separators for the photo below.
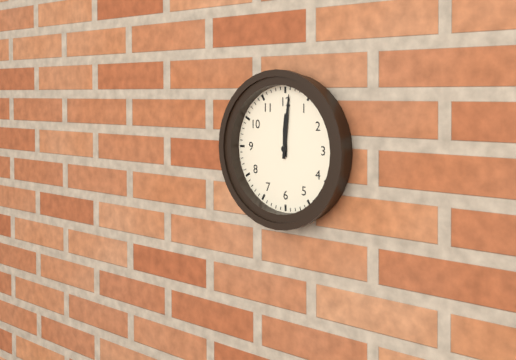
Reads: 12 h 01 min
